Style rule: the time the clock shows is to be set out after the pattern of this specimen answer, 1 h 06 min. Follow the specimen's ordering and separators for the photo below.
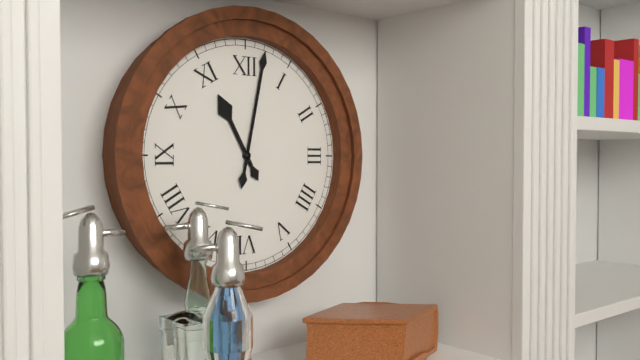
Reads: 11 h 02 min
